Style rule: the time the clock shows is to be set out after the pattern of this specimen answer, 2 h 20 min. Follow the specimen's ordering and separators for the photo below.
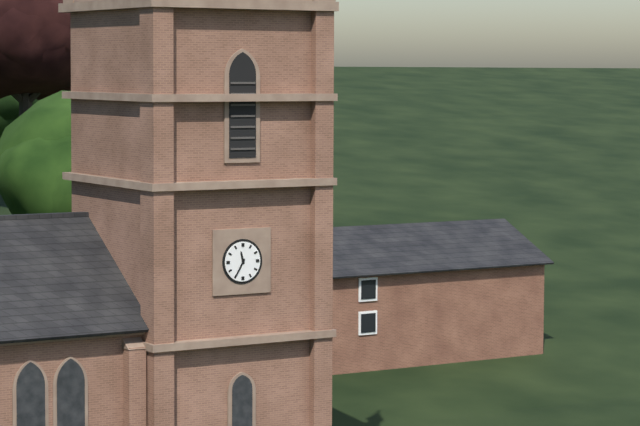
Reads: 11 h 35 min
